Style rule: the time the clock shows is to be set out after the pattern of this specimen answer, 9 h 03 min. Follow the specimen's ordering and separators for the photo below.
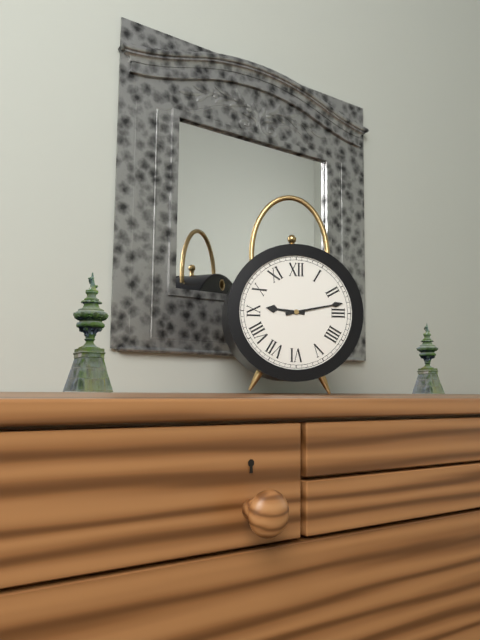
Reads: 9 h 13 min
